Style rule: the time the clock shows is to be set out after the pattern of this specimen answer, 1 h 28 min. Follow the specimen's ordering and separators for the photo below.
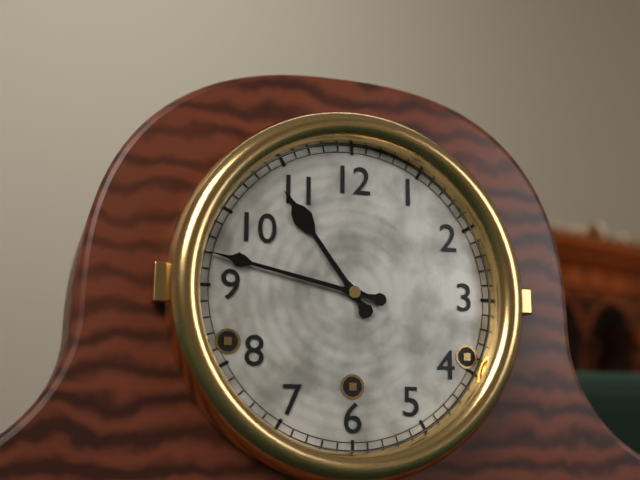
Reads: 10 h 47 min
